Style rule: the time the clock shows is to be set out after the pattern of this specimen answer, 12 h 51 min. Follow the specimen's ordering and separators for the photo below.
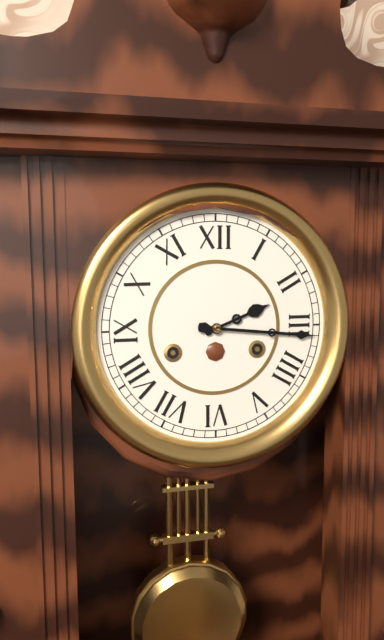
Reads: 2 h 16 min
